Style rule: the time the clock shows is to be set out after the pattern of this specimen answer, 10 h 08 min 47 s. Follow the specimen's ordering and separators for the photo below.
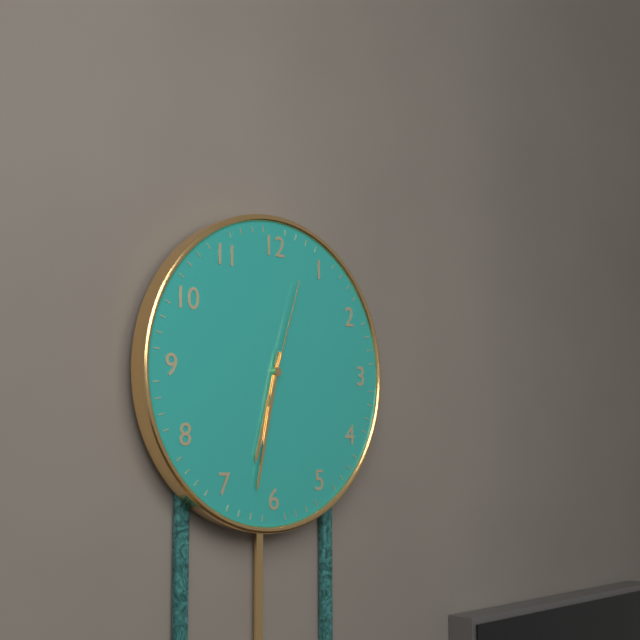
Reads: 6 h 32 min 03 s
